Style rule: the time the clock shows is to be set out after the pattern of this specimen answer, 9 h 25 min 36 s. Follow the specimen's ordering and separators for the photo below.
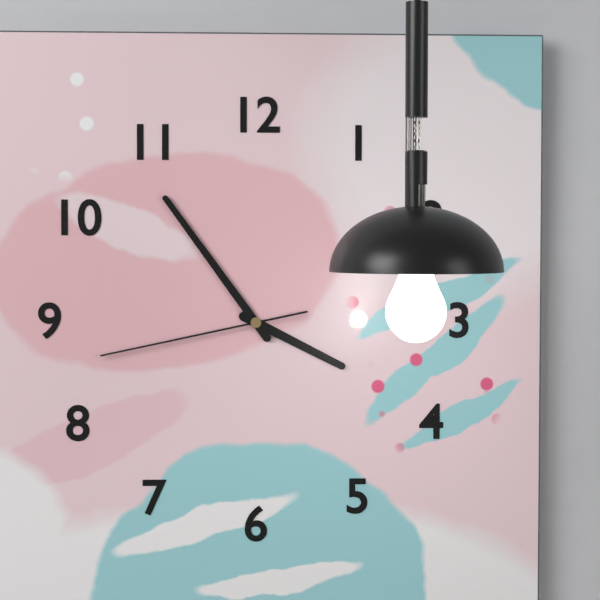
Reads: 3 h 54 min 43 s
